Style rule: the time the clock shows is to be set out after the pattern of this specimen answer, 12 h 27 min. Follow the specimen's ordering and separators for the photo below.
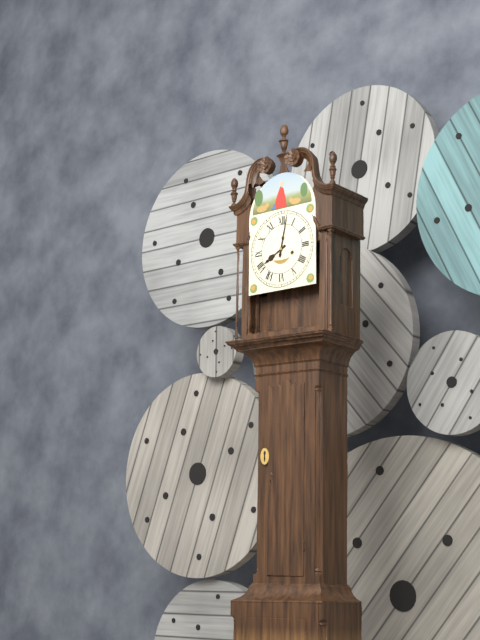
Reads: 8 h 02 min
